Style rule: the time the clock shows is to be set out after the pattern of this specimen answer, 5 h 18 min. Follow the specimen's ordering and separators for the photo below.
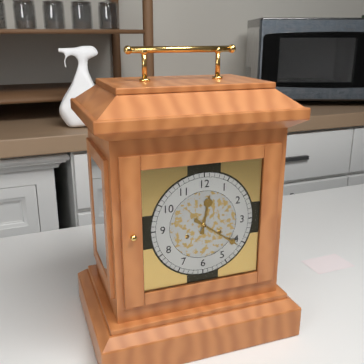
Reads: 12 h 21 min
